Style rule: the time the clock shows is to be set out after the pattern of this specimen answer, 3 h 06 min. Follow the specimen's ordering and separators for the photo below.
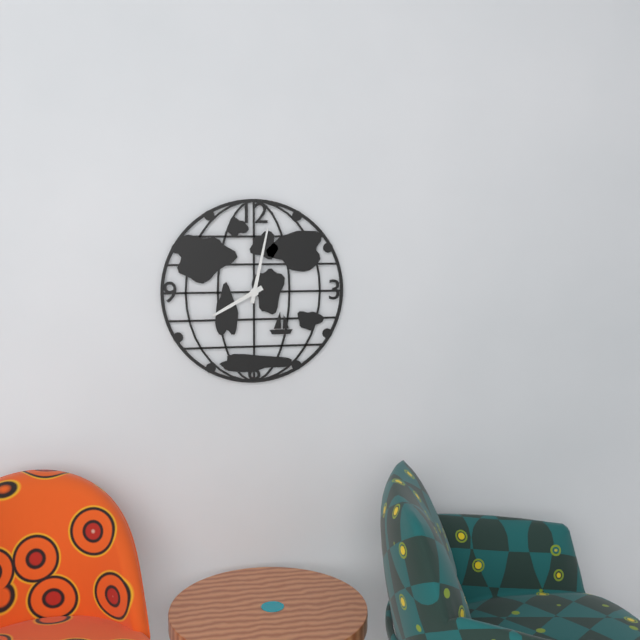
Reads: 8 h 02 min
